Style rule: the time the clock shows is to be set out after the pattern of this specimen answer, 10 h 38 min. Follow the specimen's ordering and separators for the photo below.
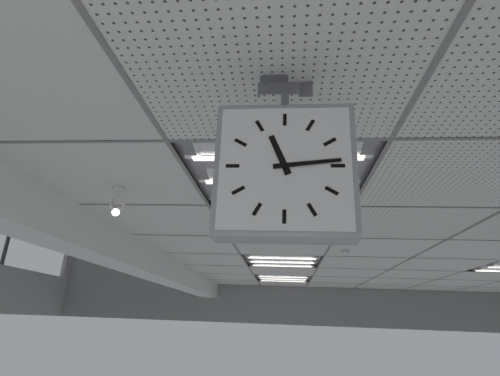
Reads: 11 h 14 min
